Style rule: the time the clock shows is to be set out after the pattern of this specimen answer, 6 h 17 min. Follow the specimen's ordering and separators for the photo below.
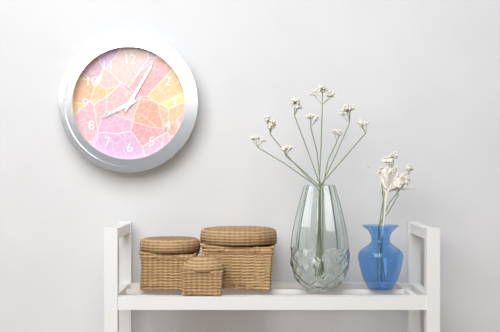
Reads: 8 h 05 min
